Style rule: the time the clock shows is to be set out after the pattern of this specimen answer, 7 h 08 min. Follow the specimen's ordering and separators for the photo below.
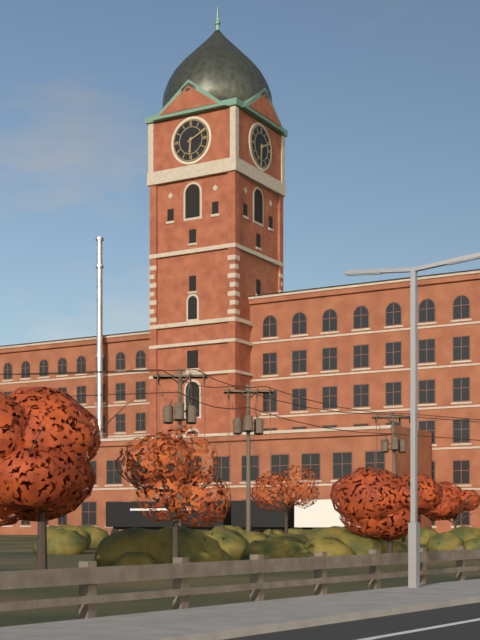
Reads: 6 h 11 min
